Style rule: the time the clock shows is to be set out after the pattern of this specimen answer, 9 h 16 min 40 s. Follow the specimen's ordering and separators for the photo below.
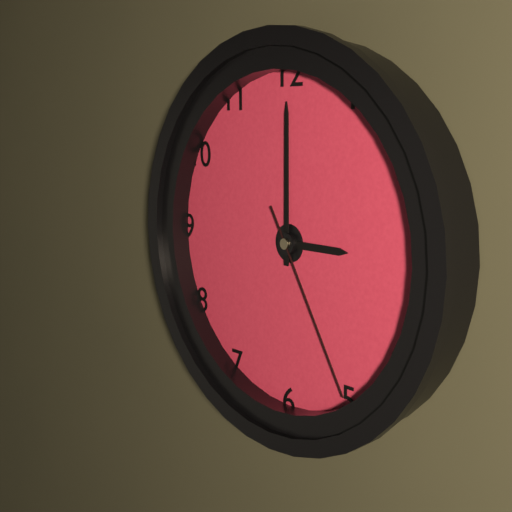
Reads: 3 h 00 min 25 s
